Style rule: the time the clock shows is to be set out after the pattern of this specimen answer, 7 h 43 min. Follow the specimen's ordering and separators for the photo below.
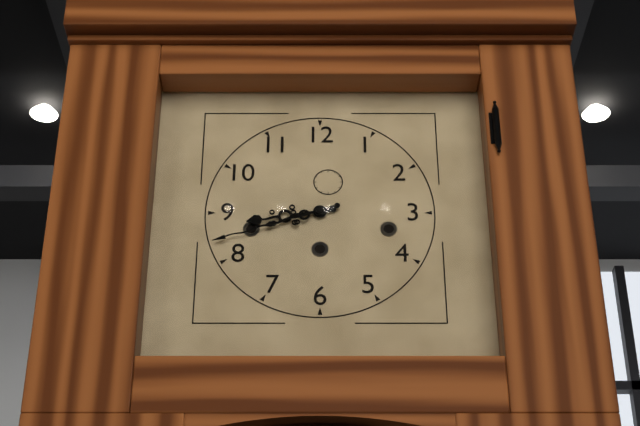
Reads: 8 h 42 min
